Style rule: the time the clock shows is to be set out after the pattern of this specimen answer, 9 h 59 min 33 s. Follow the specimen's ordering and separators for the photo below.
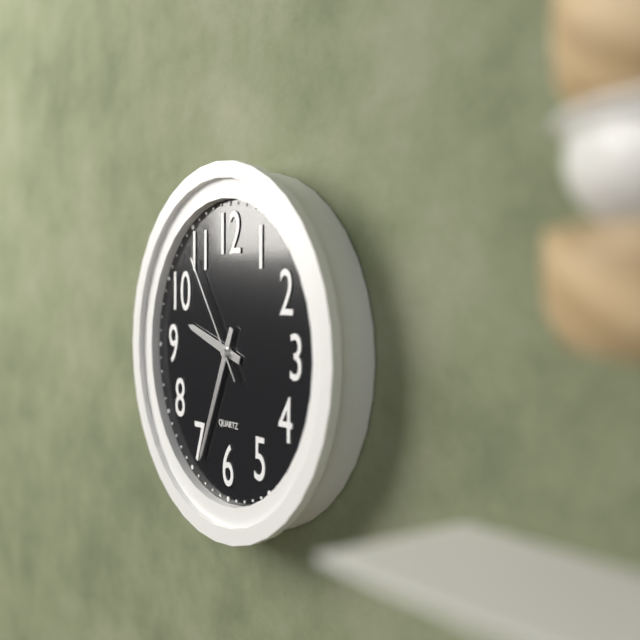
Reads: 9 h 34 min 54 s
